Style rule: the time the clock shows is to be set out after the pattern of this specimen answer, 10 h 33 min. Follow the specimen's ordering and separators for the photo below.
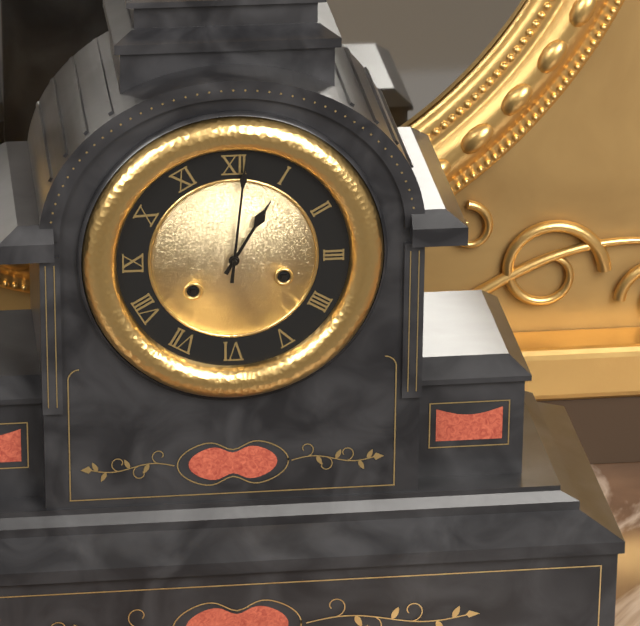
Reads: 1 h 01 min
